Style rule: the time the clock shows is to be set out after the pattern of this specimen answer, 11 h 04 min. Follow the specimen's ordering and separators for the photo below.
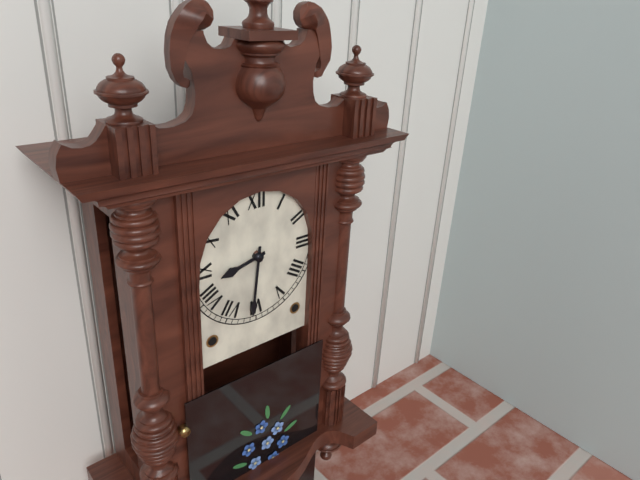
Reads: 8 h 31 min
